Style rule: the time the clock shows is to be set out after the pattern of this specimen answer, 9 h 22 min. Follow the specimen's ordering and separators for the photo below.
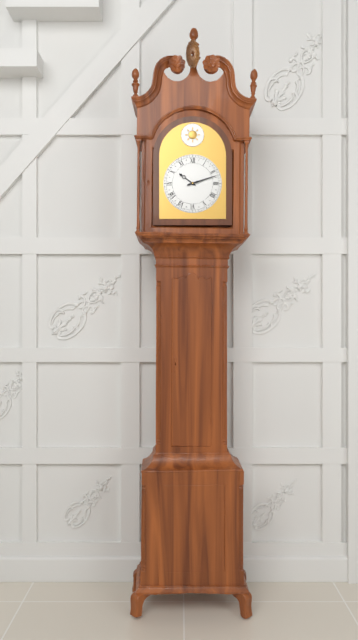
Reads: 10 h 12 min
